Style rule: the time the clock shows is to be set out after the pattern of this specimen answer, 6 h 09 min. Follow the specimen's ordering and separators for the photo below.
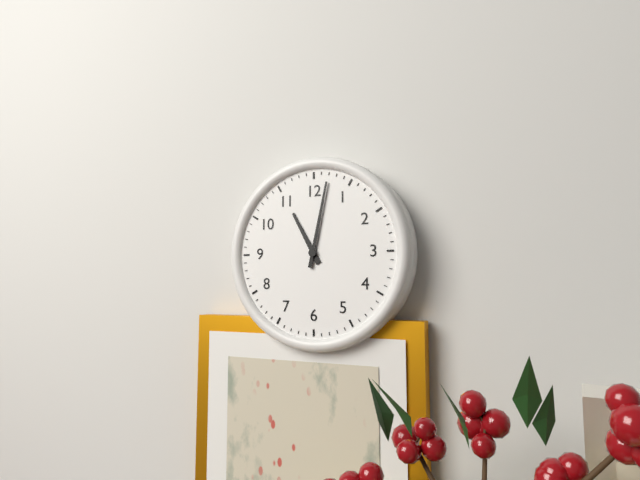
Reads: 11 h 02 min
